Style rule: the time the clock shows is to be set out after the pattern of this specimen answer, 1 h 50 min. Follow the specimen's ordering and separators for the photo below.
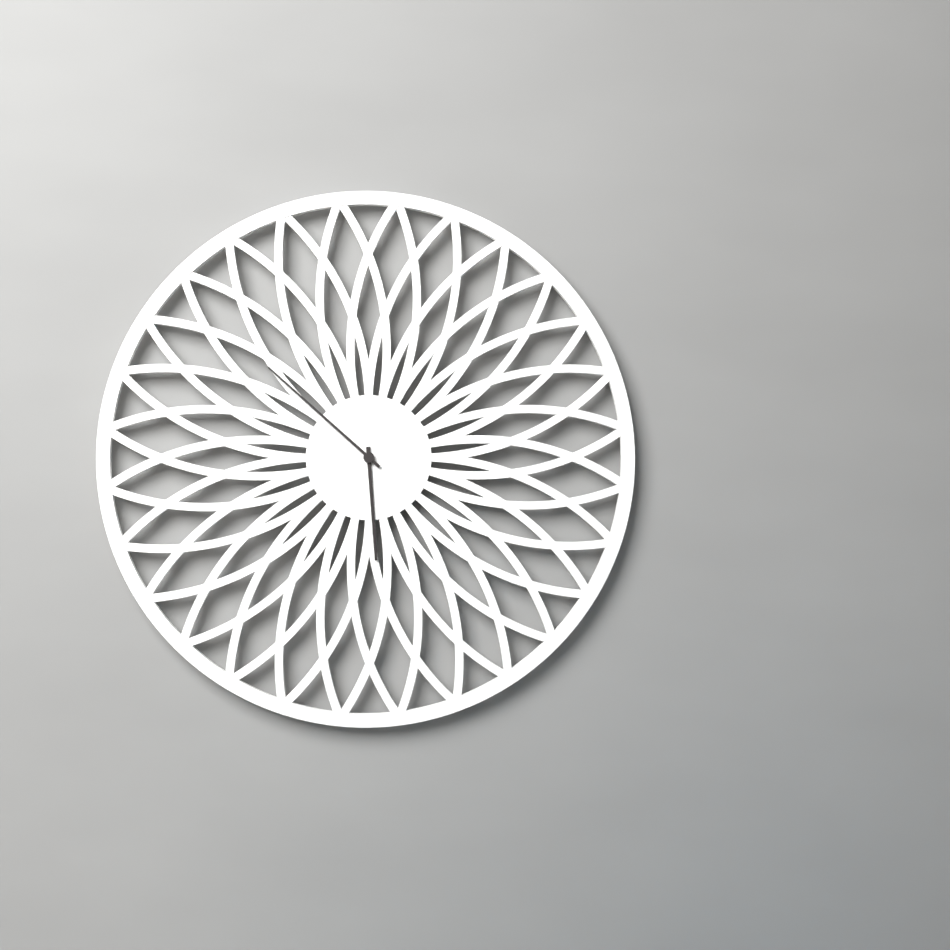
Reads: 5 h 52 min
